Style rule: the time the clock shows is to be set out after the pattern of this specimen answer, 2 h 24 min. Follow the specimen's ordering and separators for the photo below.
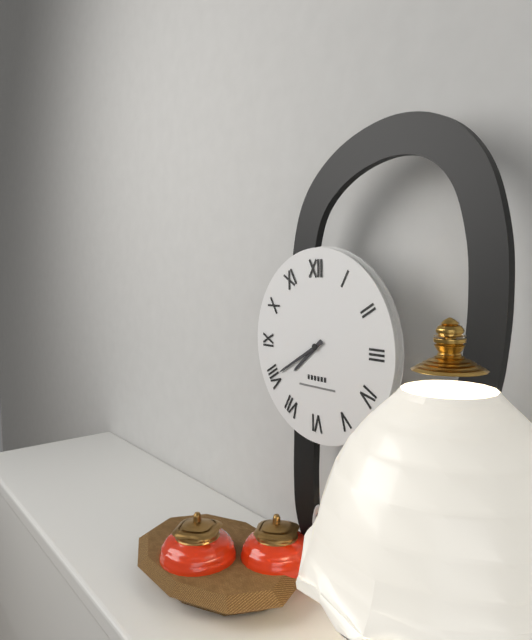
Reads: 7 h 40 min
